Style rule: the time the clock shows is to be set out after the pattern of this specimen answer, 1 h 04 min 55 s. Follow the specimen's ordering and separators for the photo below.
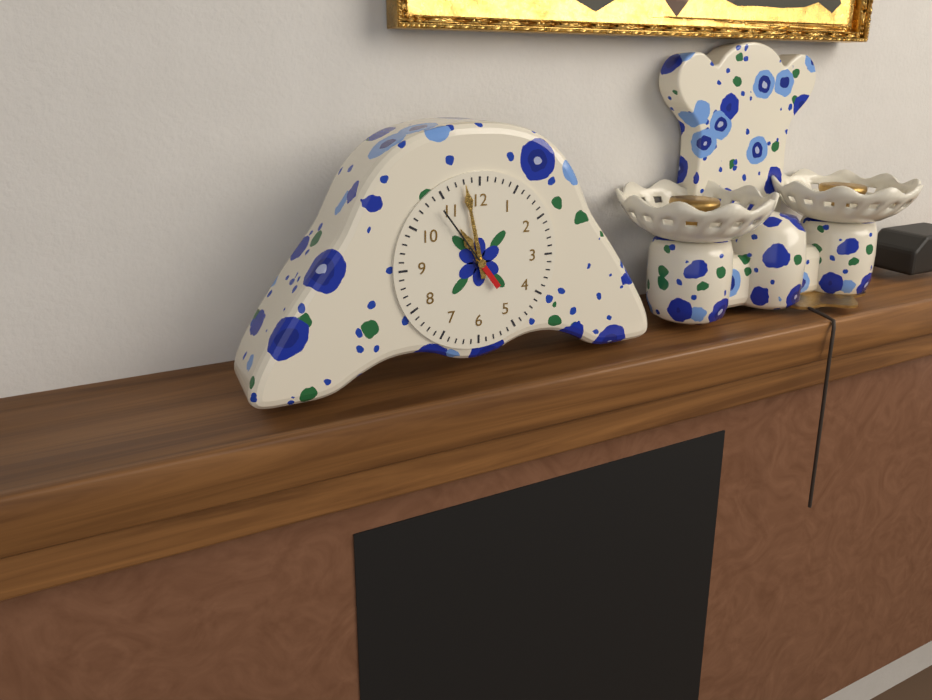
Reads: 10 h 58 min 54 s
